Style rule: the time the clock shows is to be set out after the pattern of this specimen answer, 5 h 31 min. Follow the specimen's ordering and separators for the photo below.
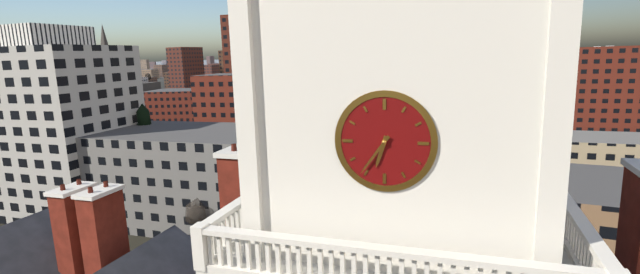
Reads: 6 h 36 min
